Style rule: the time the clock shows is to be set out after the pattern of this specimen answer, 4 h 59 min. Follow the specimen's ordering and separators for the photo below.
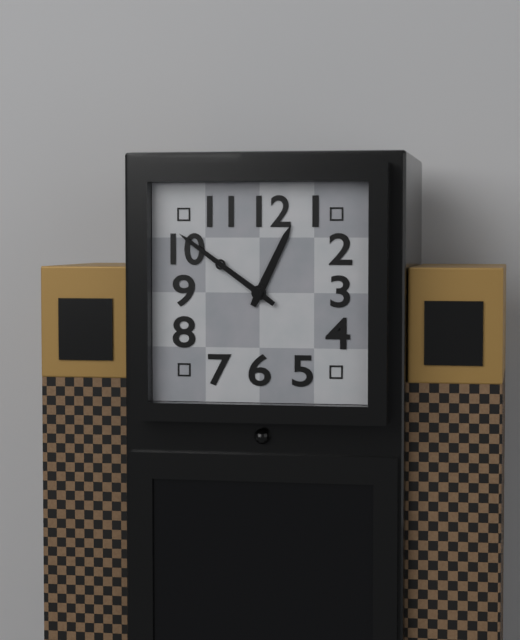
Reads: 12 h 51 min
